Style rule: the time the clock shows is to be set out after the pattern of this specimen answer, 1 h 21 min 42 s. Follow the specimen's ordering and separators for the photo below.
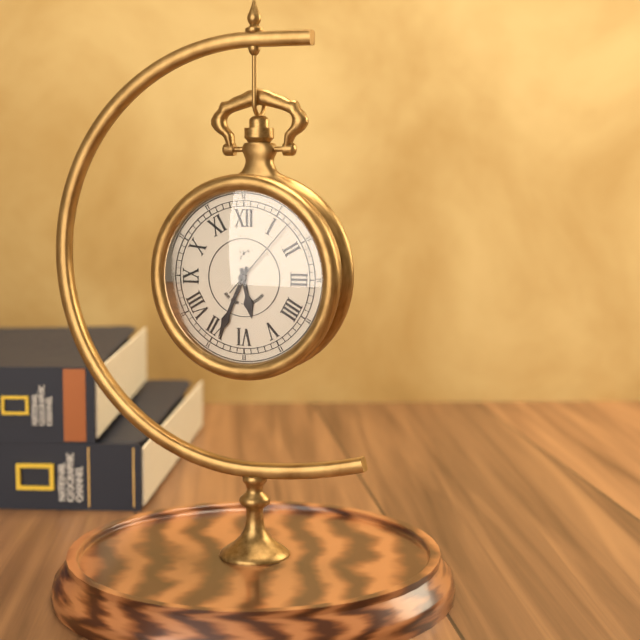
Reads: 5 h 34 min 07 s
